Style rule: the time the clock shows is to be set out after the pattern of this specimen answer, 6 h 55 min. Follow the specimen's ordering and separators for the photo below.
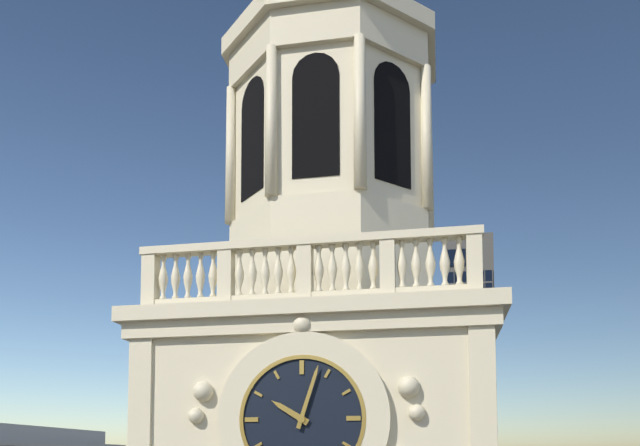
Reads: 10 h 03 min
